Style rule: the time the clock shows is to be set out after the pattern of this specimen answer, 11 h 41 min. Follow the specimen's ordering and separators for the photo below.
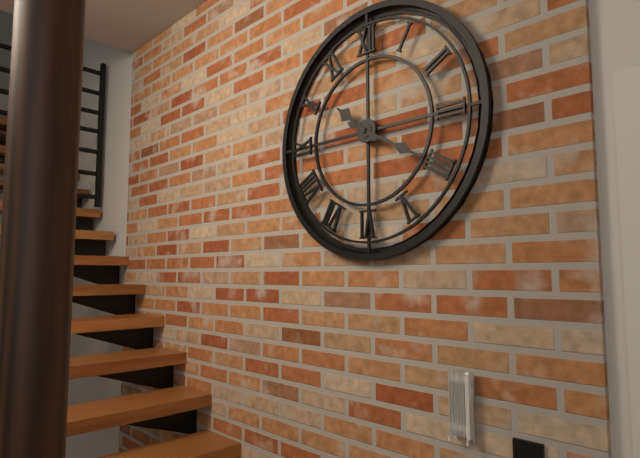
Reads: 10 h 20 min
